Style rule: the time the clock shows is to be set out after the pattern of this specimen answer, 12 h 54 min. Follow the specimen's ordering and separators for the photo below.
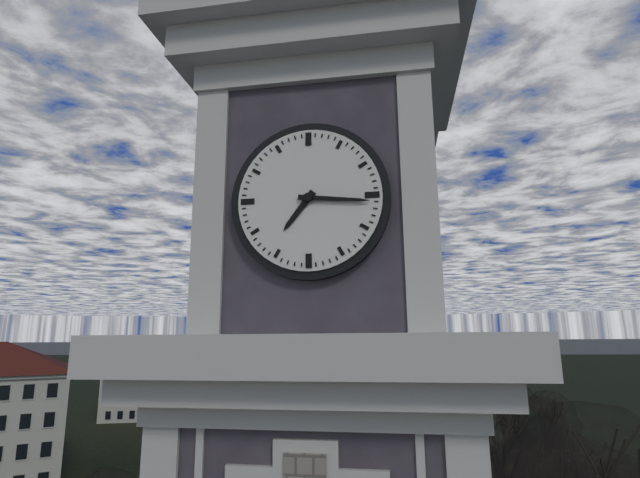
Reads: 7 h 16 min
